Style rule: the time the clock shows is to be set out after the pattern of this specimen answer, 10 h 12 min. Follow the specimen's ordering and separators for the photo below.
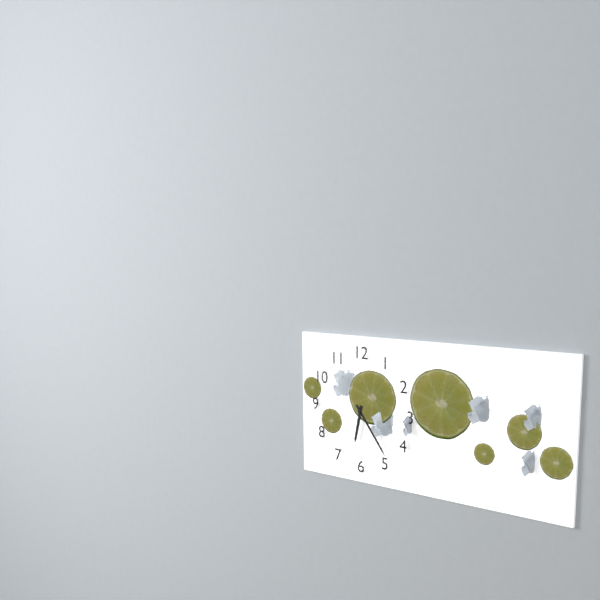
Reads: 6 h 24 min
